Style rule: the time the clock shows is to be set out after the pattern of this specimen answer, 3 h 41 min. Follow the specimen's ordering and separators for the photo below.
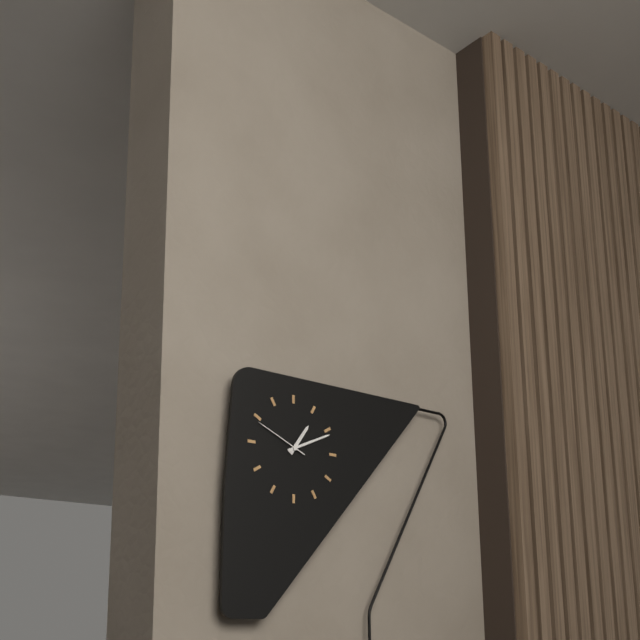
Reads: 1 h 11 min
